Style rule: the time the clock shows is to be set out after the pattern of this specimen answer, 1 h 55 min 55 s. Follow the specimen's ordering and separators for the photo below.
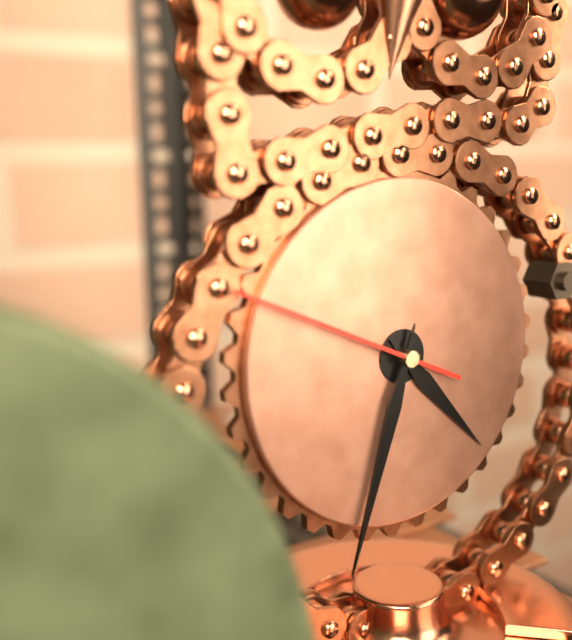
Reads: 4 h 33 min 49 s
